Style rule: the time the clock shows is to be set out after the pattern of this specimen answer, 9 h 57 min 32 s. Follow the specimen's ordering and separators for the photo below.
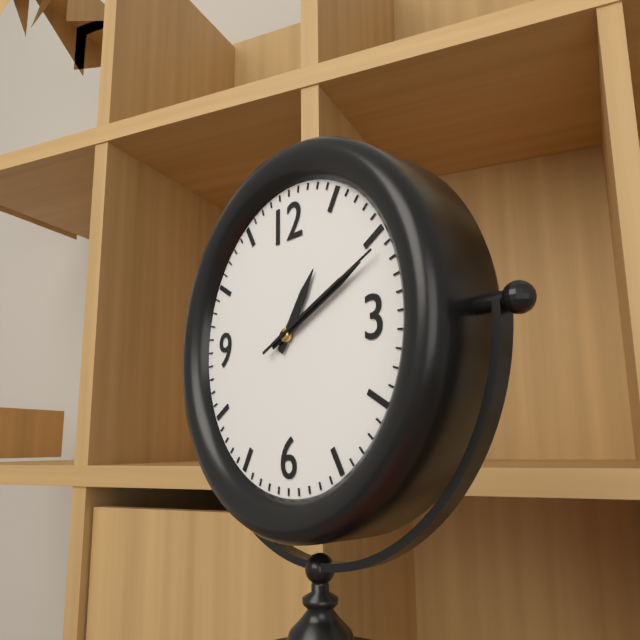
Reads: 1 h 11 min 11 s
